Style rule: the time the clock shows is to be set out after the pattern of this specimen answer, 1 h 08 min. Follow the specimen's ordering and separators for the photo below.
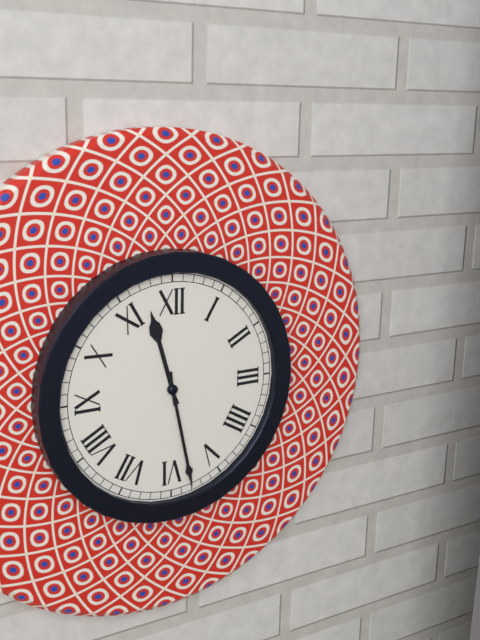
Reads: 11 h 28 min
